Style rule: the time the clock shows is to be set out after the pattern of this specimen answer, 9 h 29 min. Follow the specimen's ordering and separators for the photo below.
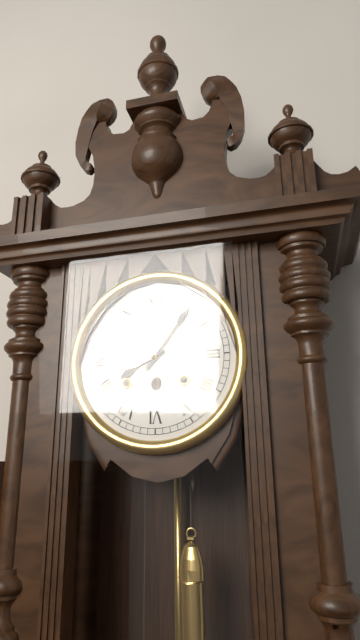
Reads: 8 h 06 min
